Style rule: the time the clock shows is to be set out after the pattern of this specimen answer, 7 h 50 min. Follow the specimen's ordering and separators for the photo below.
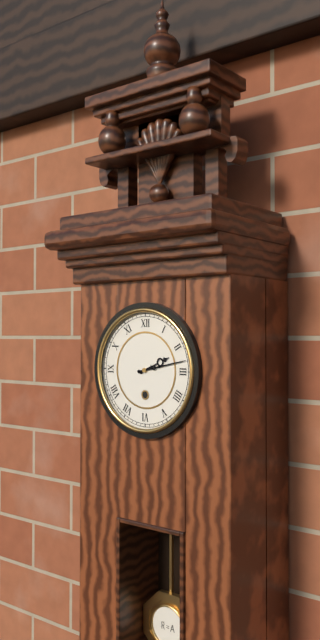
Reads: 2 h 13 min
